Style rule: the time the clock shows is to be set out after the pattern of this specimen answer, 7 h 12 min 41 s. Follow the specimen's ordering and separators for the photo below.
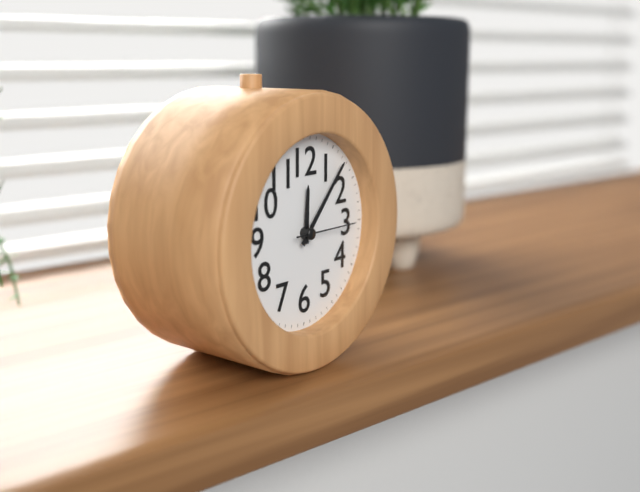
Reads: 12 h 07 min 15 s
